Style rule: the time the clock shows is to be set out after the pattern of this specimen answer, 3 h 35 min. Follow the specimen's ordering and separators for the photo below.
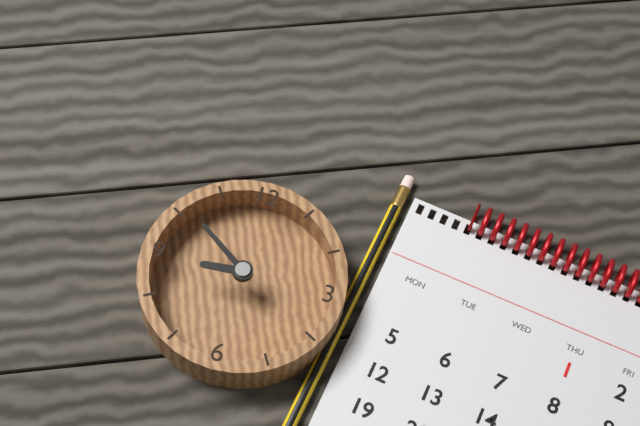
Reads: 8 h 51 min
